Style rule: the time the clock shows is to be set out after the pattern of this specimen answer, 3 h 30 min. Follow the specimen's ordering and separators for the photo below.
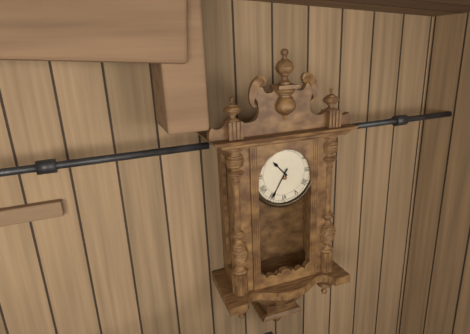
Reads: 10 h 35 min
